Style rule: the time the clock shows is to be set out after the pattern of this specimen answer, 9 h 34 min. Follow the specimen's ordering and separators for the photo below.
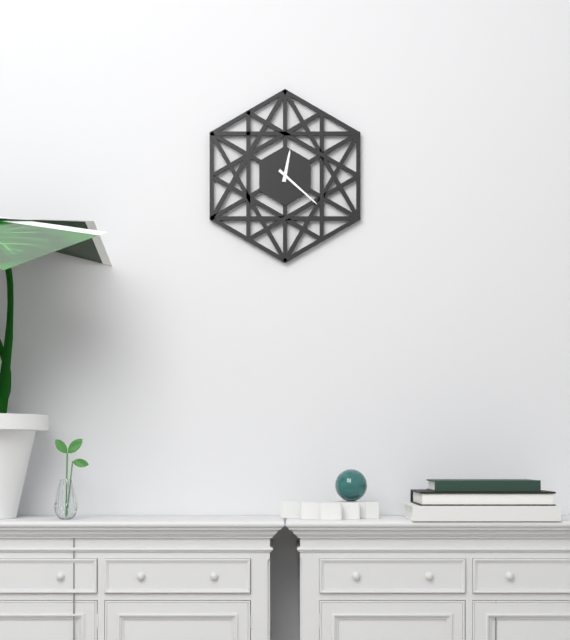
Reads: 12 h 22 min
